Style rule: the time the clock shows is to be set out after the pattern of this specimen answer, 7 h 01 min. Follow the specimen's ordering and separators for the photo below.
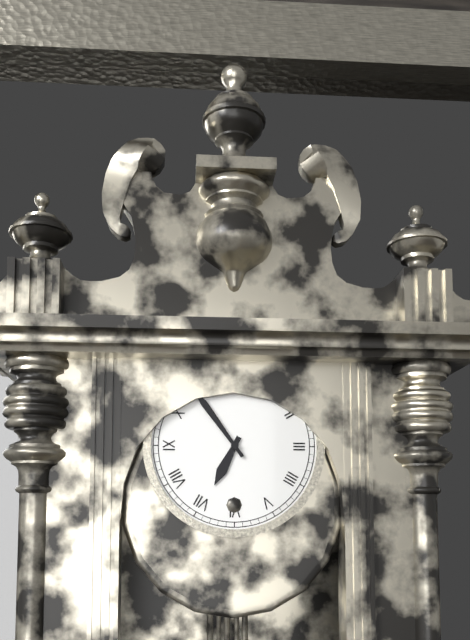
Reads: 6 h 54 min
